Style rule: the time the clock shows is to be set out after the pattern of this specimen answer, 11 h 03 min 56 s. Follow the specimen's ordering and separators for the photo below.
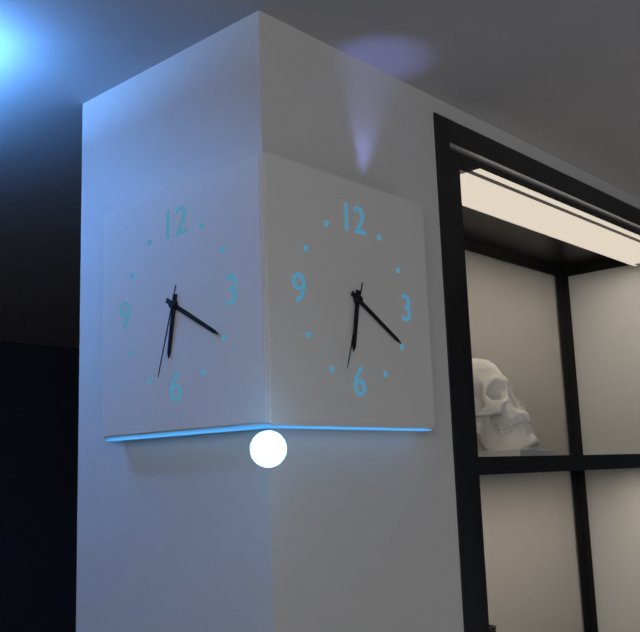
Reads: 6 h 20 min 33 s
